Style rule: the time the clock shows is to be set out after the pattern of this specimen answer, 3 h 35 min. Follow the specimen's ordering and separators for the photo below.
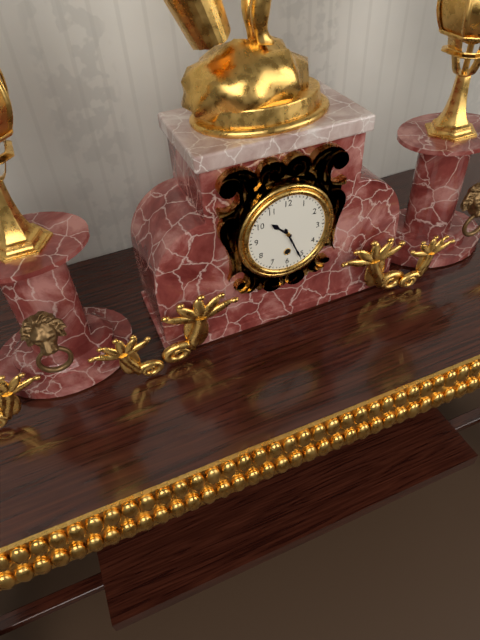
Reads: 10 h 26 min
